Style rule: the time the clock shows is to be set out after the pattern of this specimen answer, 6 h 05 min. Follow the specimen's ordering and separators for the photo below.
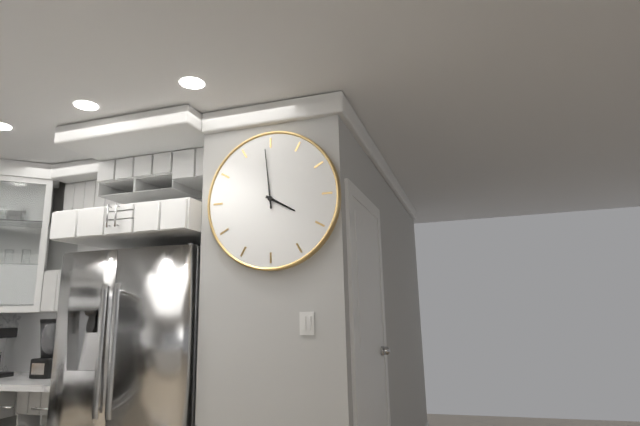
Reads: 3 h 59 min
